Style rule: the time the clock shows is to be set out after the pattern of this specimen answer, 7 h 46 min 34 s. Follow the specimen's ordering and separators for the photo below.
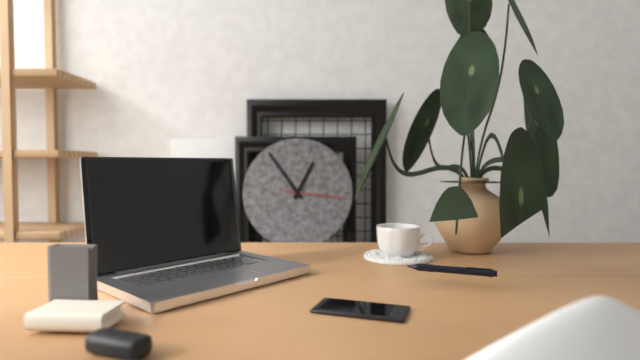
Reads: 12 h 54 min 16 s
